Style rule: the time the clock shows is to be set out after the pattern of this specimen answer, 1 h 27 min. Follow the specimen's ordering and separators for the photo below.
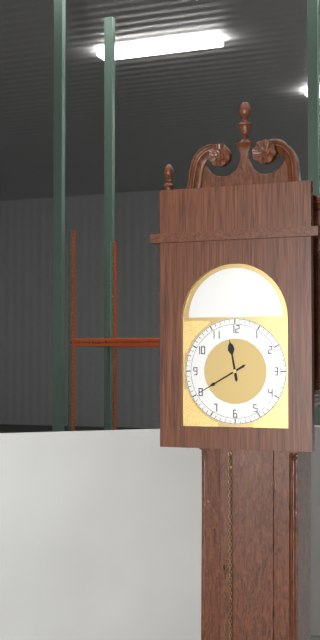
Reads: 11 h 40 min
